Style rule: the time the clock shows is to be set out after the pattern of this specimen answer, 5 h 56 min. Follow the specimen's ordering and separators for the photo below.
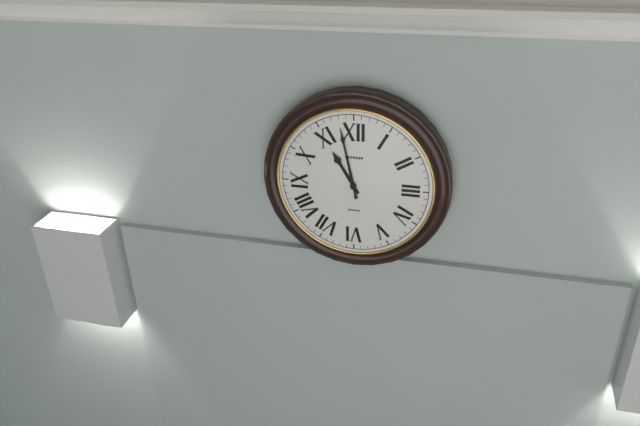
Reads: 10 h 58 min
